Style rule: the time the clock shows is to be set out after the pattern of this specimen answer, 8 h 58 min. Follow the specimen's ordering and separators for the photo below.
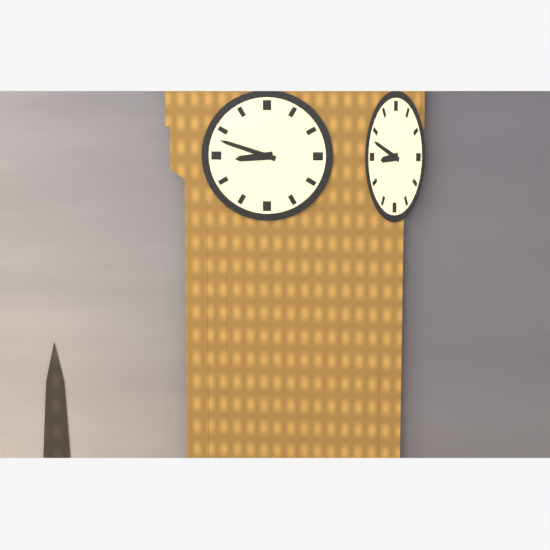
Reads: 8 h 48 min
